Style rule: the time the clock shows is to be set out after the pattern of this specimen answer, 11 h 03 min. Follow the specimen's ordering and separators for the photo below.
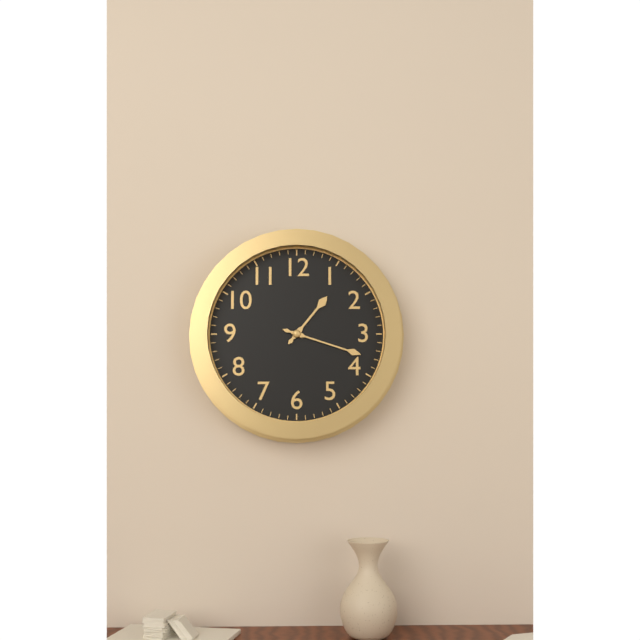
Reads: 1 h 18 min
